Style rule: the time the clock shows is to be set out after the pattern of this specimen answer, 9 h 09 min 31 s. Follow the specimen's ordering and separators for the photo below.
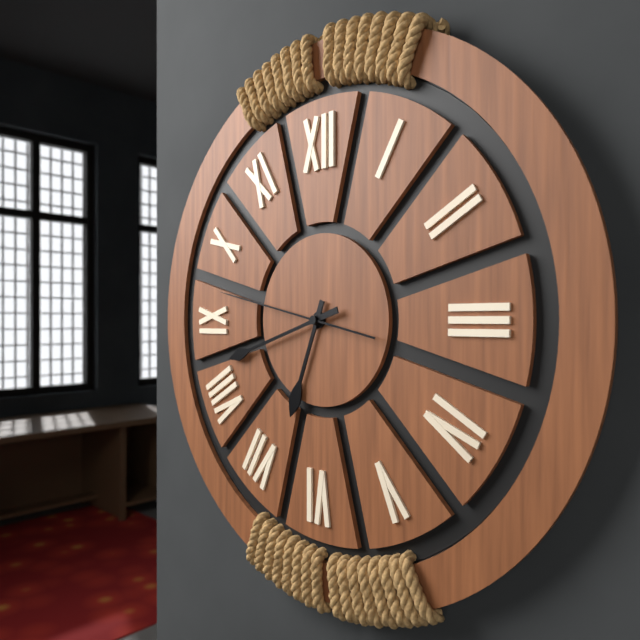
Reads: 6 h 42 min 47 s
